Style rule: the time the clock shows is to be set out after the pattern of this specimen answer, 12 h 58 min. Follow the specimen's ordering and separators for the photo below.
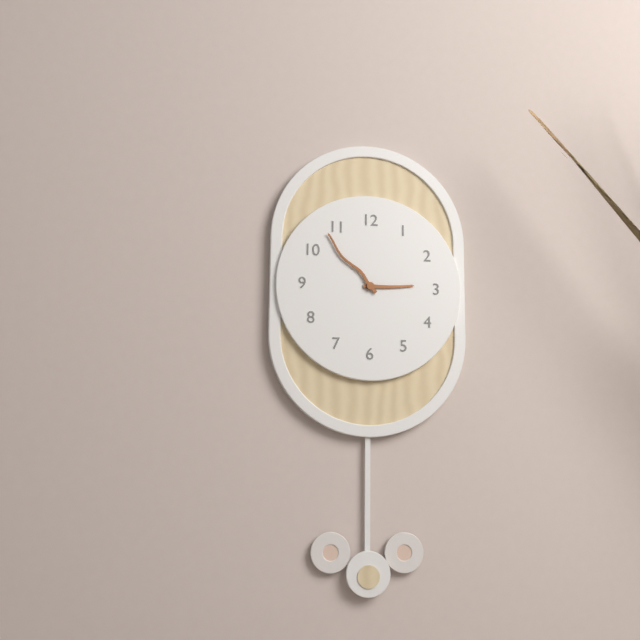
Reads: 2 h 53 min
